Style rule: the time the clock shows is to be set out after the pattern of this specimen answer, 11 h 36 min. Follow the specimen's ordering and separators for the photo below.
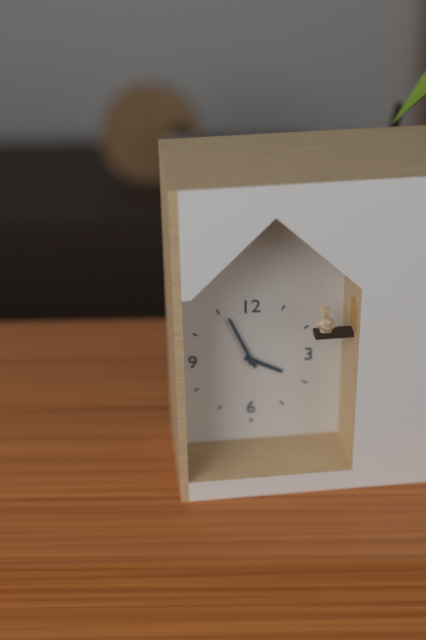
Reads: 3 h 56 min
